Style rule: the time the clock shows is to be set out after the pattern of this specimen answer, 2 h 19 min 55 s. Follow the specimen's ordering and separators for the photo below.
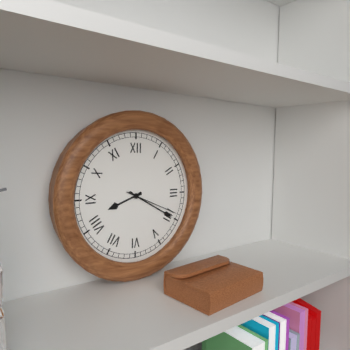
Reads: 8 h 20 min 19 s
